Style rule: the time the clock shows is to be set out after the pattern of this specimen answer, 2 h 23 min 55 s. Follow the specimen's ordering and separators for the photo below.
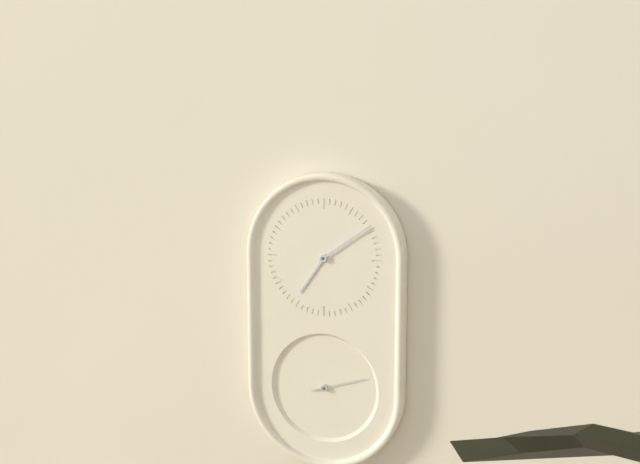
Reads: 7 h 09 min 12 s
